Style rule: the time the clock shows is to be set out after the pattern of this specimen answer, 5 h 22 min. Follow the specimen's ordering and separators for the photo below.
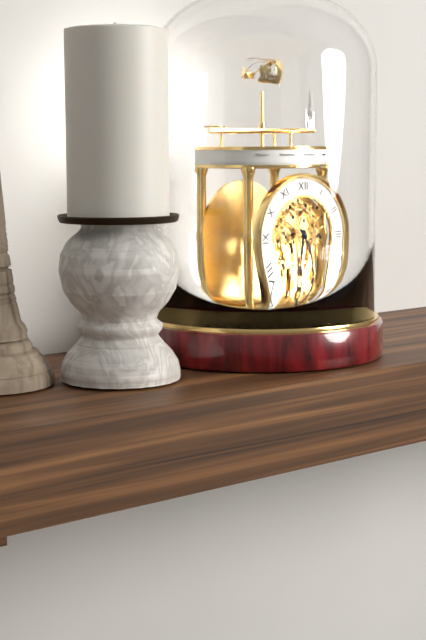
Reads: 6 h 24 min
